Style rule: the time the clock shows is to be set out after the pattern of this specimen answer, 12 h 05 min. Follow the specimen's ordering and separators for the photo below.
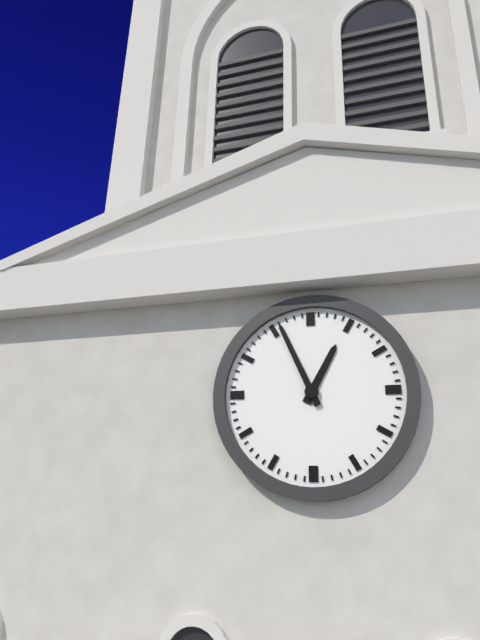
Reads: 12 h 56 min
